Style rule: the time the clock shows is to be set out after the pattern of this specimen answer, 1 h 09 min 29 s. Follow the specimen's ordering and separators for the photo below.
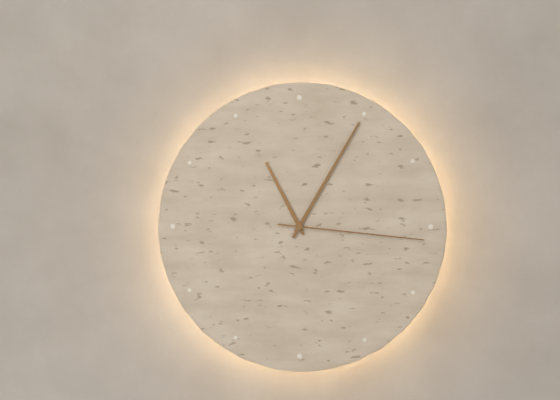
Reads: 11 h 05 min 16 s
